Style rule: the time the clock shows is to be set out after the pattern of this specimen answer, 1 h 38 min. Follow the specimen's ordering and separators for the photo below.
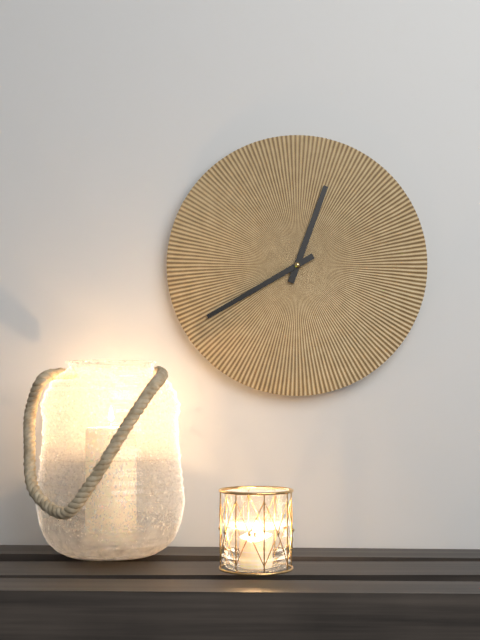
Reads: 12 h 40 min
